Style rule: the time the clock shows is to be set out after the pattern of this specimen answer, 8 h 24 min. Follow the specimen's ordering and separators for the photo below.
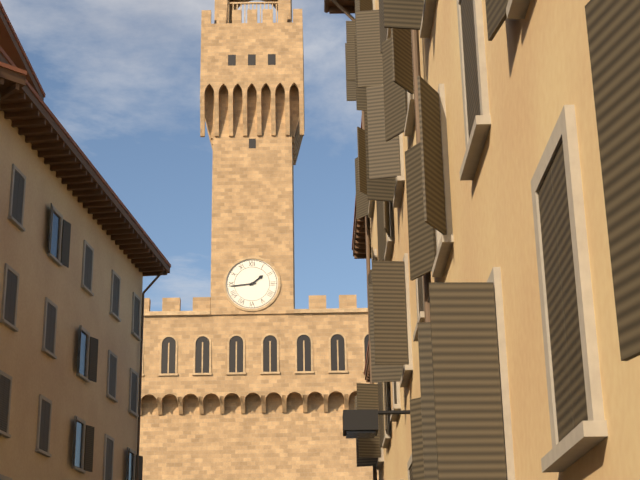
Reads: 1 h 44 min
